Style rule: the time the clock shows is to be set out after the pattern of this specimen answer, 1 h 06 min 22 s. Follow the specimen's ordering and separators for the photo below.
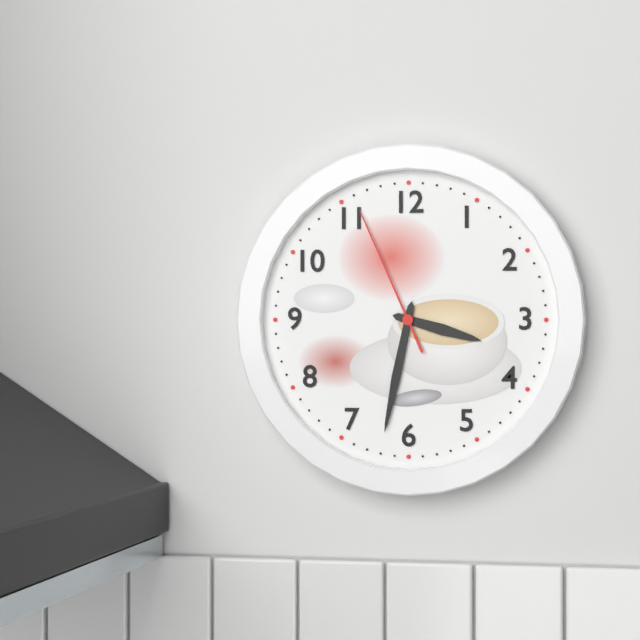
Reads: 3 h 32 min 56 s
